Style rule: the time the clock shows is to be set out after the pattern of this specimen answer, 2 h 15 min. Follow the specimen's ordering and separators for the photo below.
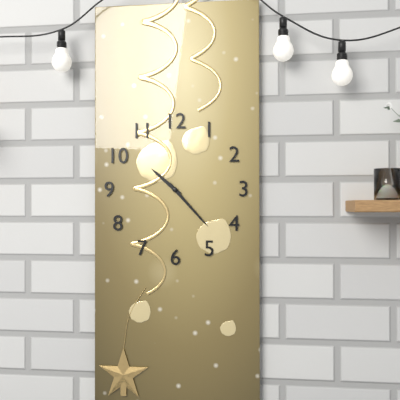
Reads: 10 h 23 min
